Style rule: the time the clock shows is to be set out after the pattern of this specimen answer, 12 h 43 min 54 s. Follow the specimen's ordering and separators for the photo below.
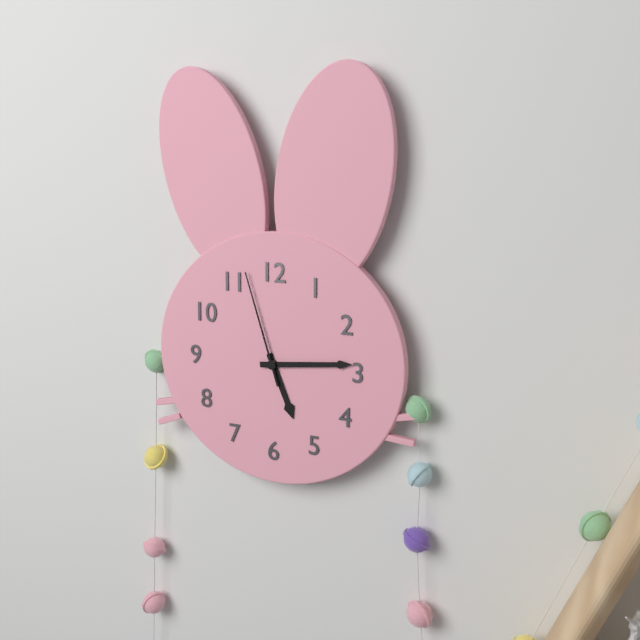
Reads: 5 h 14 min 57 s
